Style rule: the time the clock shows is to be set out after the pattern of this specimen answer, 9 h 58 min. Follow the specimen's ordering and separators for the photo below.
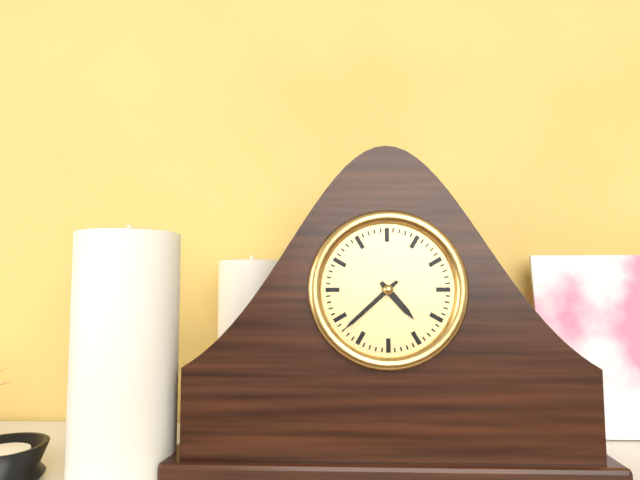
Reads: 4 h 38 min
